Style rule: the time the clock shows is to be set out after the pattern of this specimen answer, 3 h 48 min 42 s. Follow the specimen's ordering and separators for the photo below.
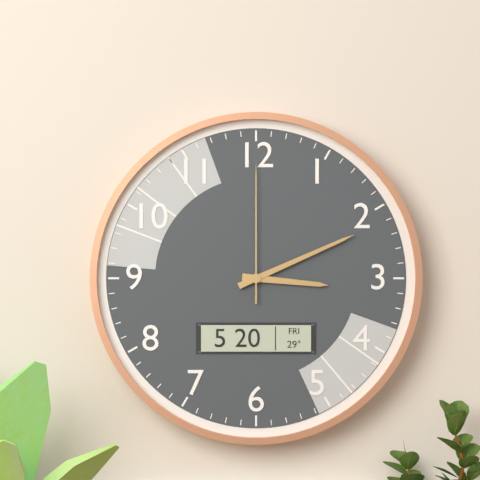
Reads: 3 h 11 min 00 s
